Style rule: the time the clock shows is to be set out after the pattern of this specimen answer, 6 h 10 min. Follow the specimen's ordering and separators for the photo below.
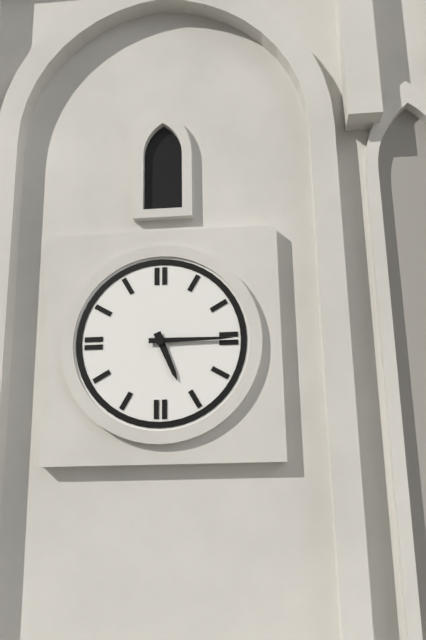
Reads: 5 h 15 min
